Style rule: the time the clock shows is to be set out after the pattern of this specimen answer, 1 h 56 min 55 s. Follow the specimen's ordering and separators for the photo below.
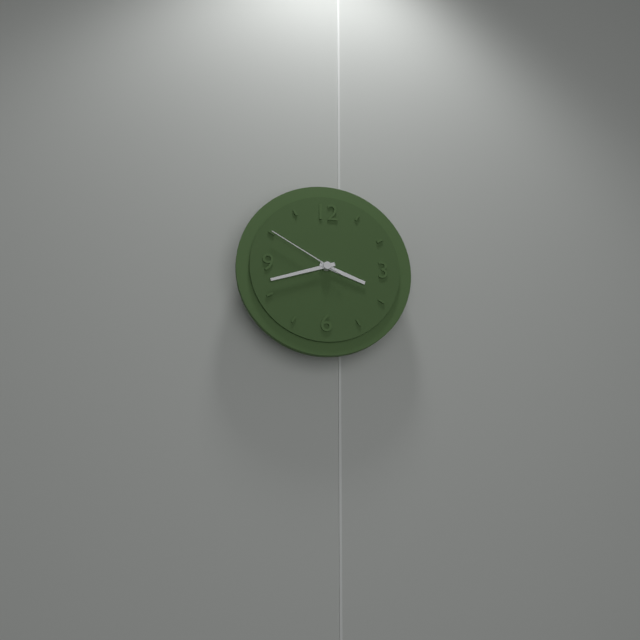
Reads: 3 h 42 min 50 s
